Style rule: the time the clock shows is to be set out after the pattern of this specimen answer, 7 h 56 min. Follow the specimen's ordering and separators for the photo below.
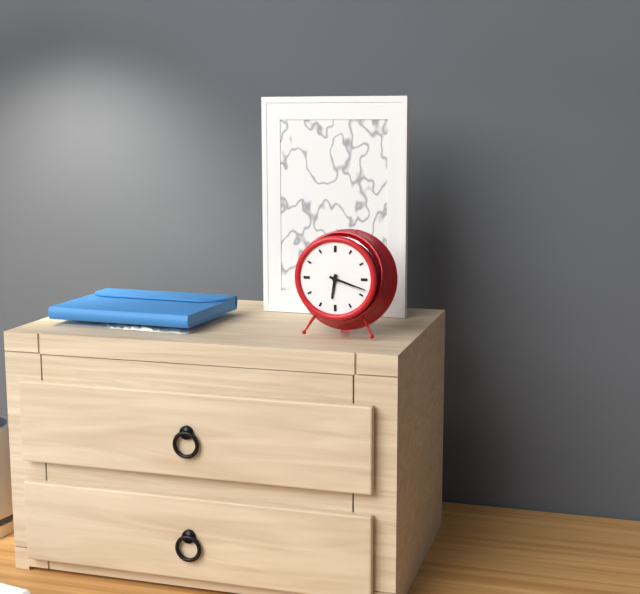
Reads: 6 h 18 min
